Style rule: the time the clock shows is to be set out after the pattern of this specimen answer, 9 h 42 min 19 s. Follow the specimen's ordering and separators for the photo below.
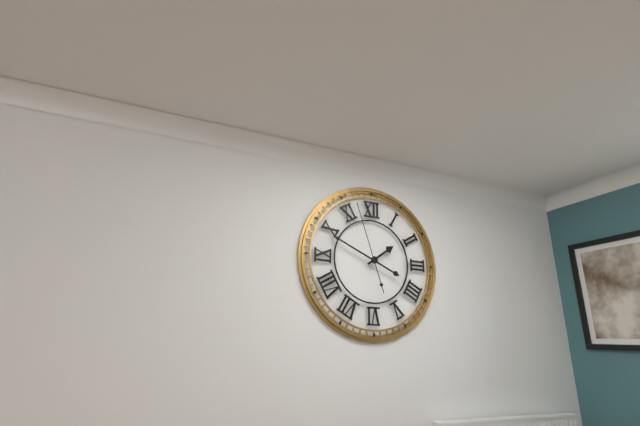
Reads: 1 h 49 min 57 s
